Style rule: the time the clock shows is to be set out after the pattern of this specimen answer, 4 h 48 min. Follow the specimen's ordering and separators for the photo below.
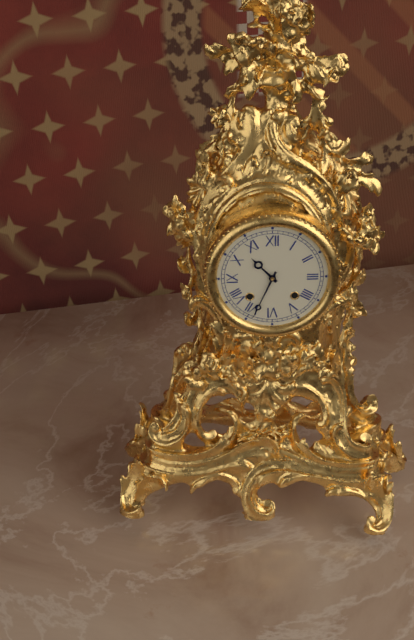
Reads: 10 h 34 min
